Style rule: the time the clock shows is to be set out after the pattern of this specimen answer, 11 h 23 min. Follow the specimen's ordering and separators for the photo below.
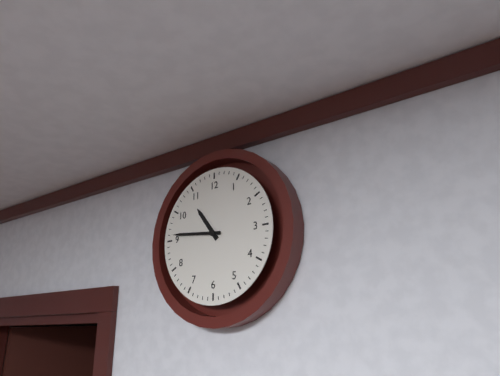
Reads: 10 h 46 min
